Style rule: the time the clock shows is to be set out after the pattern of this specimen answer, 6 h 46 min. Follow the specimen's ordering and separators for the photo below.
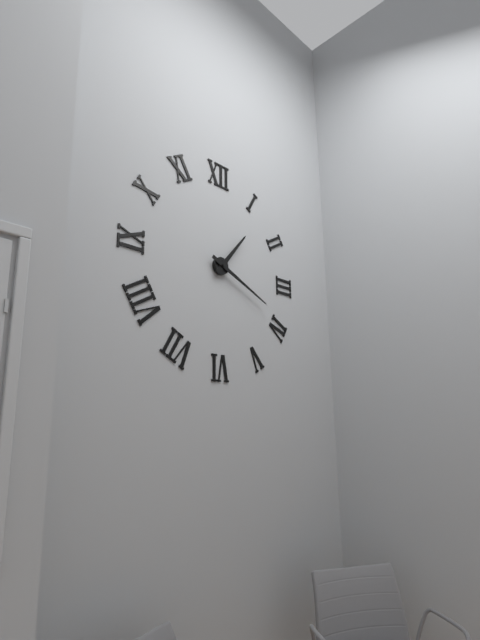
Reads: 1 h 19 min
